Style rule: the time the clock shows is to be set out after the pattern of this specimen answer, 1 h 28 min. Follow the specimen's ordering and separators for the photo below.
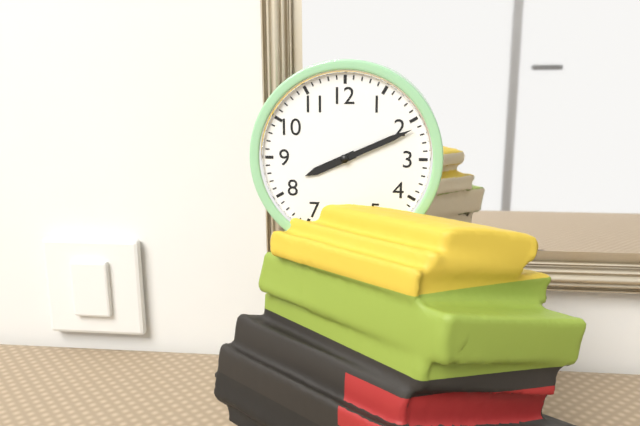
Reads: 8 h 11 min
